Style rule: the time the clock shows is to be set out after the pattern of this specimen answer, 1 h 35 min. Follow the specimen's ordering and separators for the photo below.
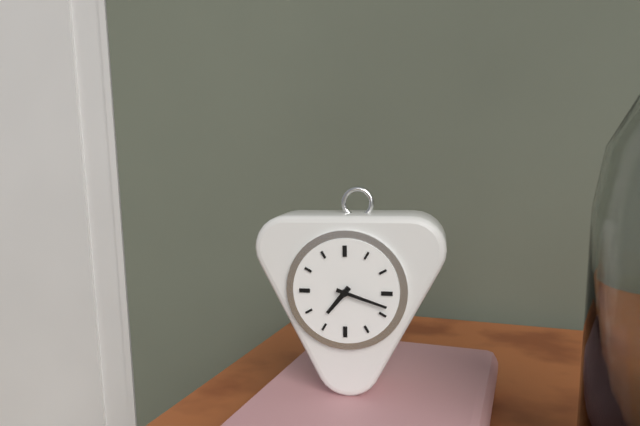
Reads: 7 h 18 min
